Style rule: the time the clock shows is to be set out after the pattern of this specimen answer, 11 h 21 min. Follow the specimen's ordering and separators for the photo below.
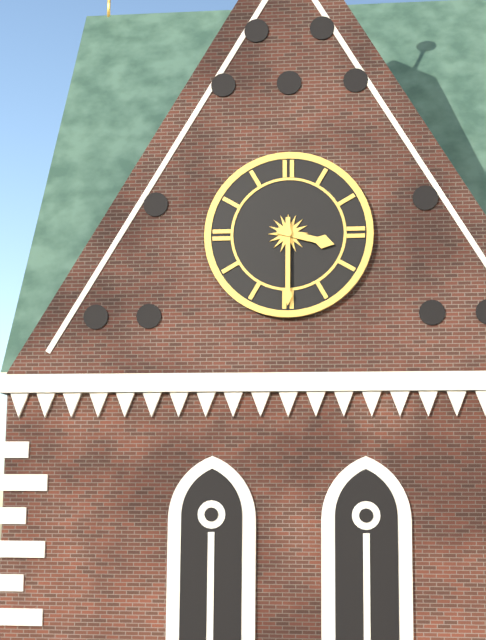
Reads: 3 h 30 min
